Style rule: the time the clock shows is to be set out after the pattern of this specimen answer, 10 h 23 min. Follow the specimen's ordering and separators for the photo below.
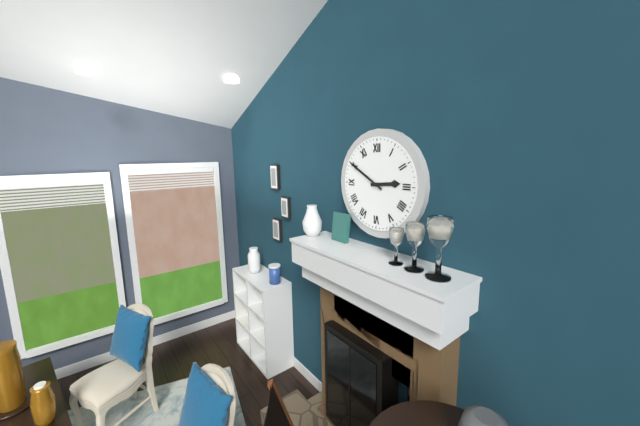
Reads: 2 h 50 min
